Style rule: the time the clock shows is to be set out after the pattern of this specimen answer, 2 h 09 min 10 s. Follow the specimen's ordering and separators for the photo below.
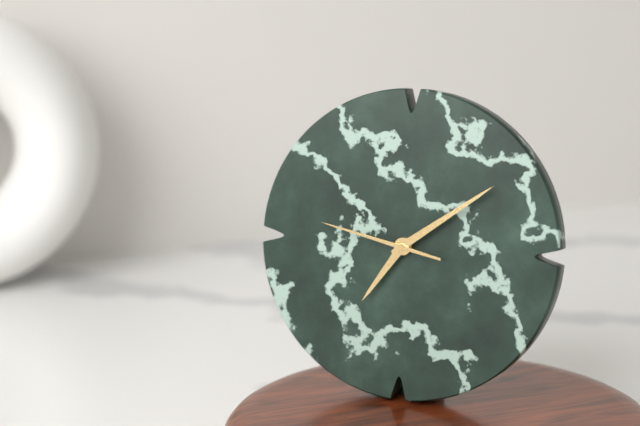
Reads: 7 h 09 min 47 s
